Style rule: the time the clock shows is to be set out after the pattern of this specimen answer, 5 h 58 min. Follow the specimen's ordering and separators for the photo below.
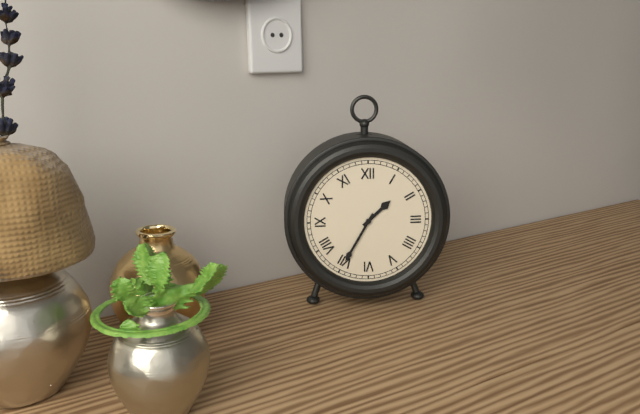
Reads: 1 h 35 min
